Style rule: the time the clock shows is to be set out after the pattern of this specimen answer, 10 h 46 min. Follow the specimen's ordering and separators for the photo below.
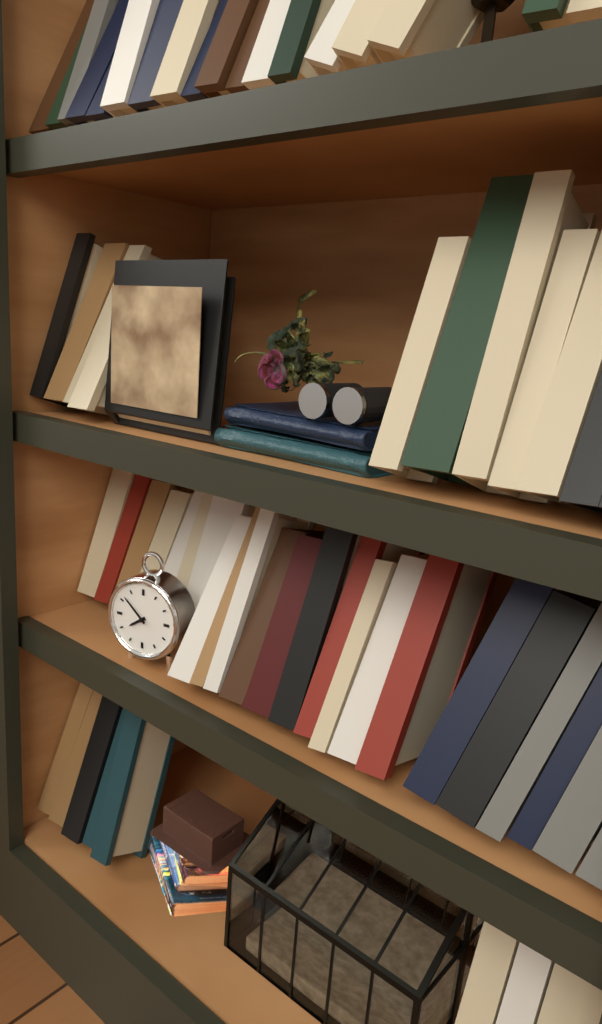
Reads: 7 h 52 min
